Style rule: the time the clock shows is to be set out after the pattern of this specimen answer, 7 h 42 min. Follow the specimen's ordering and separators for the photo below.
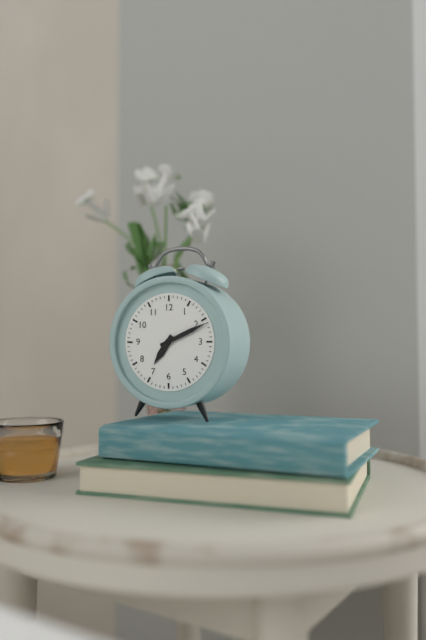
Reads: 7 h 11 min
